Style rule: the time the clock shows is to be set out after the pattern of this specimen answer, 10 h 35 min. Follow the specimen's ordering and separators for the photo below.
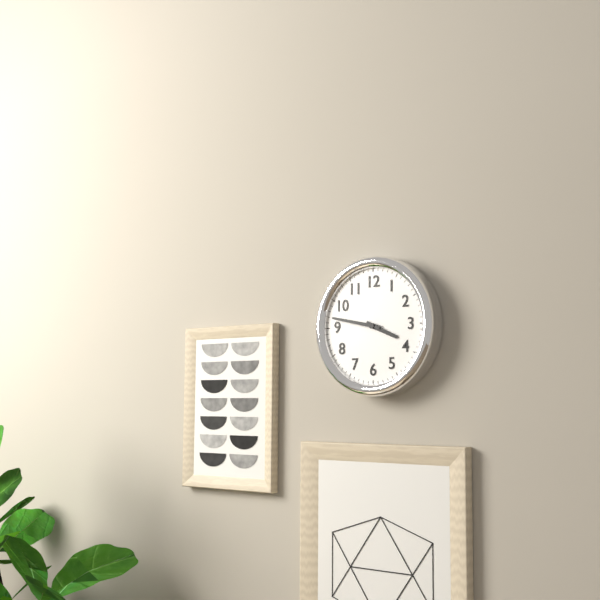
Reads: 3 h 47 min
